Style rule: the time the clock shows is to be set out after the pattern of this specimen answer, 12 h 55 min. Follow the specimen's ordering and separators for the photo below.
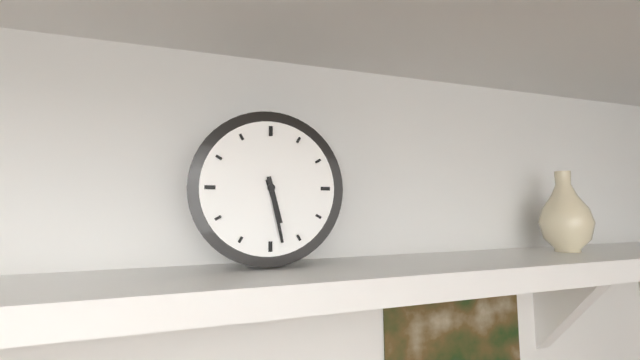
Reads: 5 h 28 min
